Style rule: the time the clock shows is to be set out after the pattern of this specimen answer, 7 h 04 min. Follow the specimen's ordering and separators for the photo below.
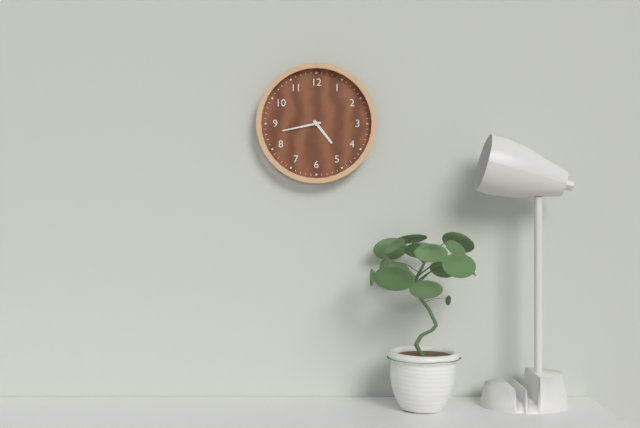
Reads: 4 h 43 min
